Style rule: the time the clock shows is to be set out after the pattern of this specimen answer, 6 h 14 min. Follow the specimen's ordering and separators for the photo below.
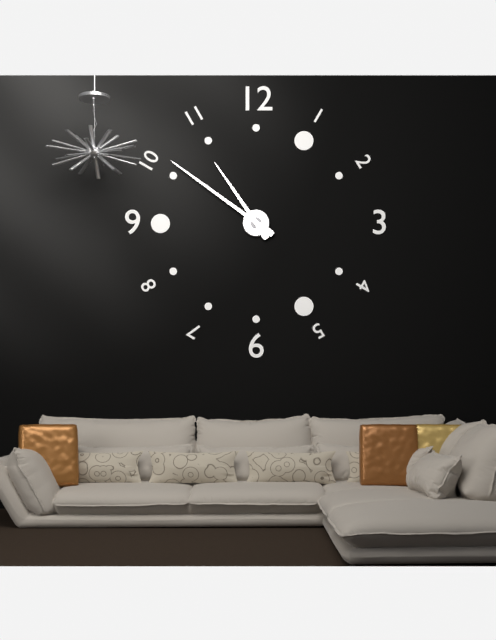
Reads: 10 h 51 min
